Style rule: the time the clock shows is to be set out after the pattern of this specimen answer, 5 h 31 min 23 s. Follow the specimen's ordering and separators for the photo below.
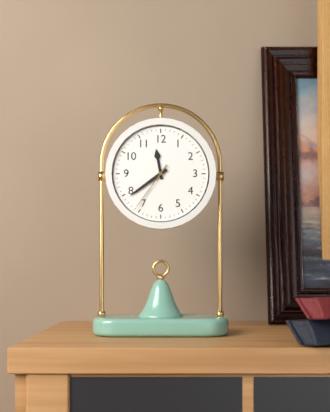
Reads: 11 h 39 min 36 s
